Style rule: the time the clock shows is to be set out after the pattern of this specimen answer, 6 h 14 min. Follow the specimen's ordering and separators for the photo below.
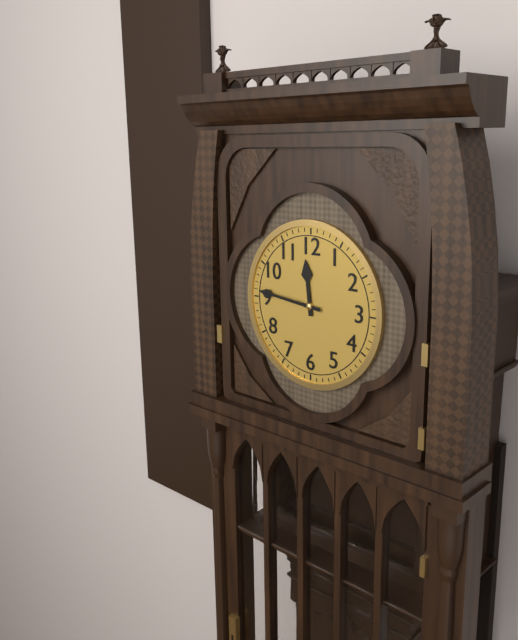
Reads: 11 h 46 min
